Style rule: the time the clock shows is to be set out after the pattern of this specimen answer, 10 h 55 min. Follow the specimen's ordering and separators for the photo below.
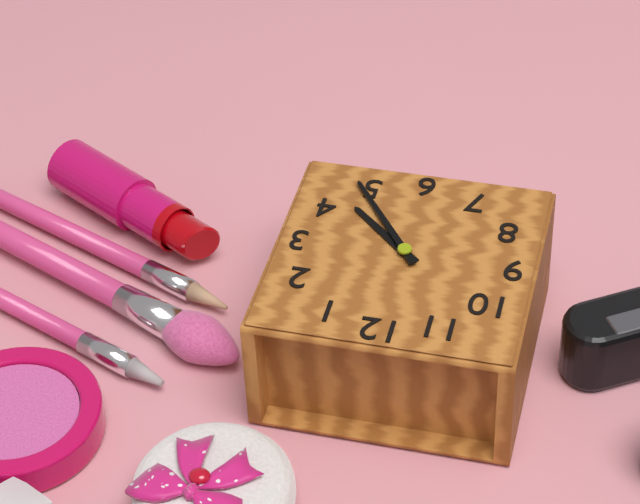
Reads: 4 h 24 min
